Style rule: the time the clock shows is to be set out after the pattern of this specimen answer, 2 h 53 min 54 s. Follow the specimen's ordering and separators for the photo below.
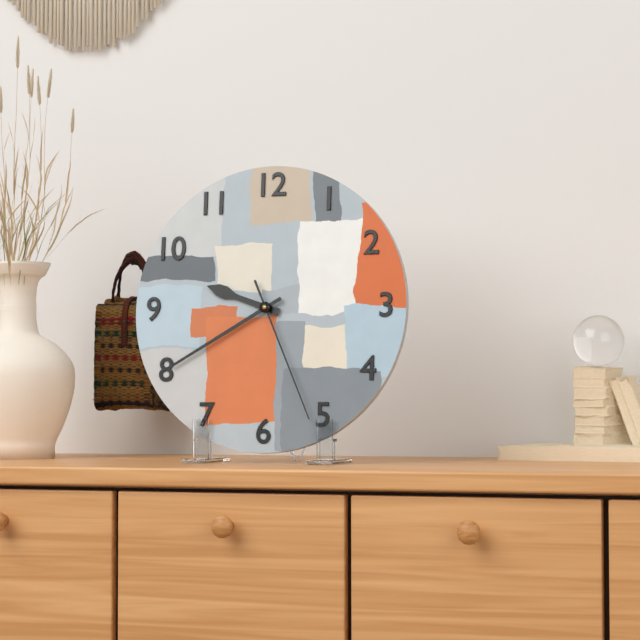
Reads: 9 h 40 min 26 s
